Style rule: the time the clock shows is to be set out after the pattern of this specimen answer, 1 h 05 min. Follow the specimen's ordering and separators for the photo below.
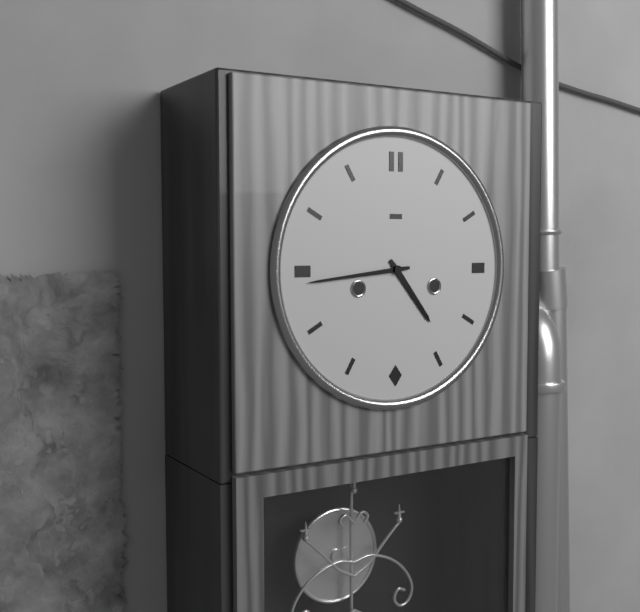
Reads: 4 h 44 min
